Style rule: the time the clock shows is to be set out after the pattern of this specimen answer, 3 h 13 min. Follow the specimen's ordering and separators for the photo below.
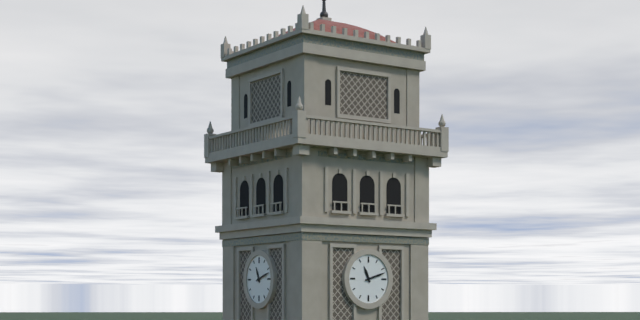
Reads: 11 h 12 min
